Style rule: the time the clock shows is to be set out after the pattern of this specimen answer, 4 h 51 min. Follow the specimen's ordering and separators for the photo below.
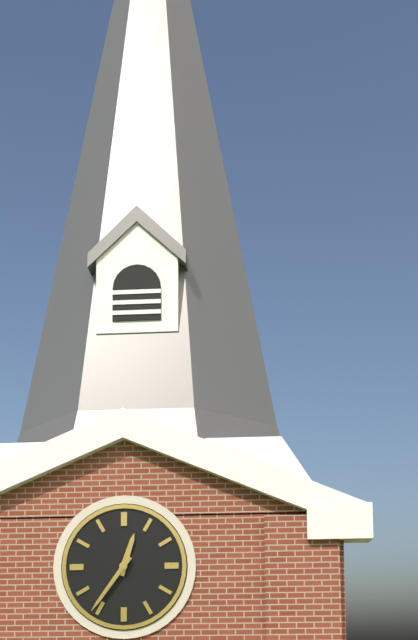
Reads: 12 h 36 min
